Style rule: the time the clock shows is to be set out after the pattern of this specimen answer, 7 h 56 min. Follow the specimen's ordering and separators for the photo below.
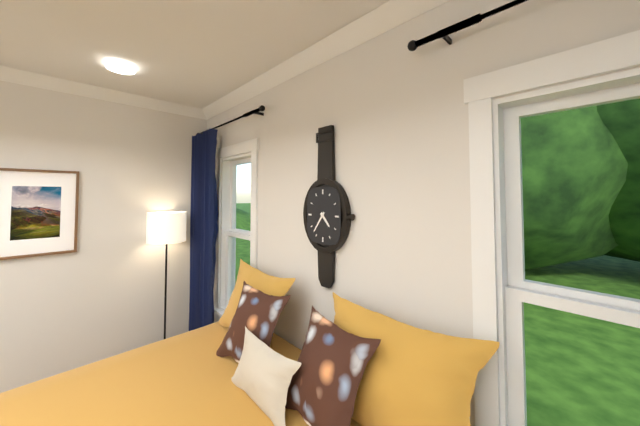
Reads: 4 h 36 min
